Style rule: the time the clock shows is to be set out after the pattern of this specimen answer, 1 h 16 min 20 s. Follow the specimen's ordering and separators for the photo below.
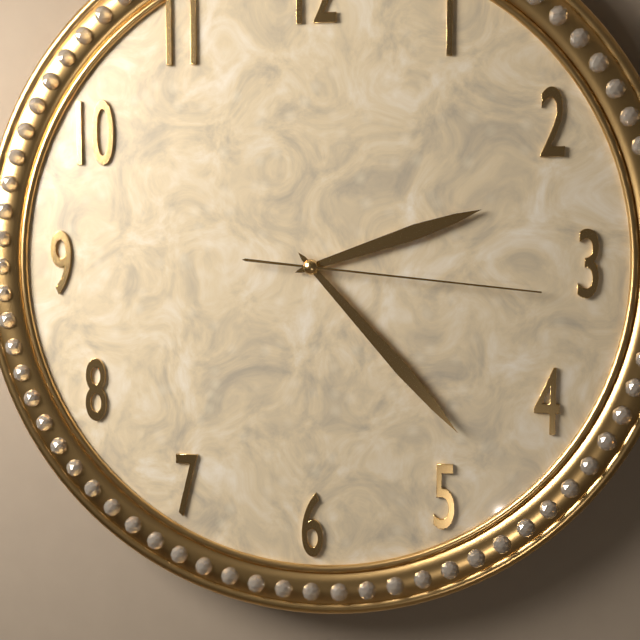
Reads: 2 h 23 min 16 s
